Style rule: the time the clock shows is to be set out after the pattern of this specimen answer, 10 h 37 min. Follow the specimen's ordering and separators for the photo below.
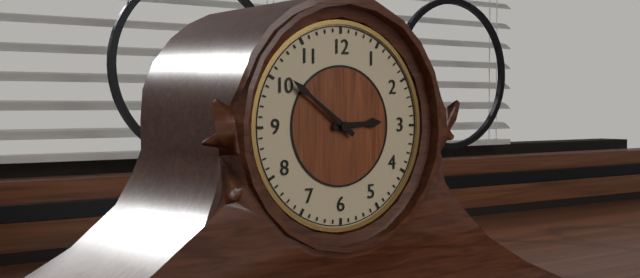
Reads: 2 h 51 min
